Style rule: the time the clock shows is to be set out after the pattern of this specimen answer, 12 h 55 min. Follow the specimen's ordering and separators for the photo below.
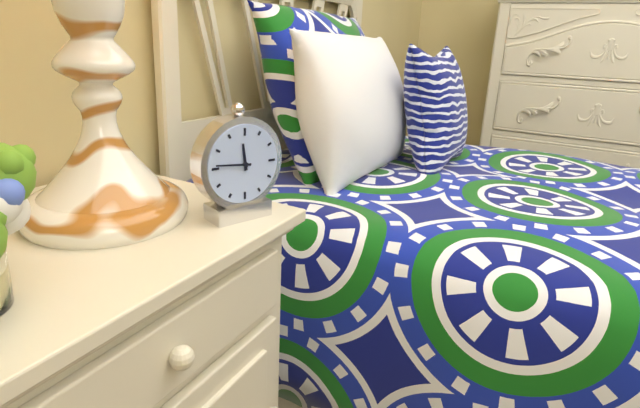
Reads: 11 h 46 min
